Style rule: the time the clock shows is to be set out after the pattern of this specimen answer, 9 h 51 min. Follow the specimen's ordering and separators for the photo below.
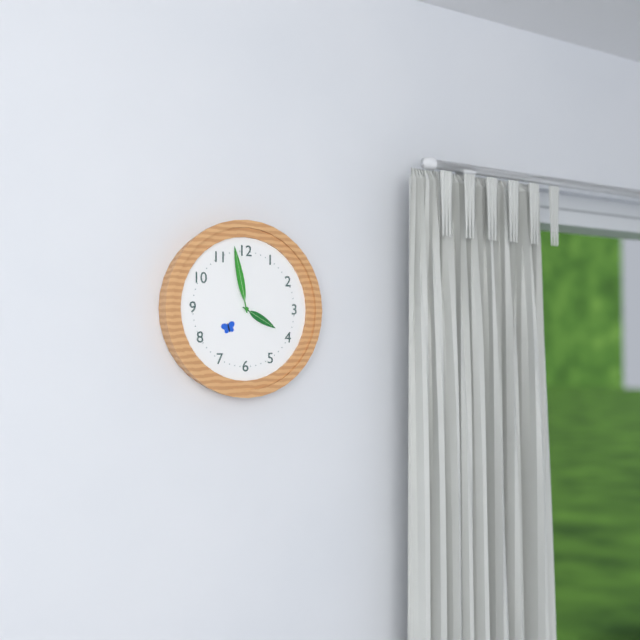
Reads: 3 h 58 min
